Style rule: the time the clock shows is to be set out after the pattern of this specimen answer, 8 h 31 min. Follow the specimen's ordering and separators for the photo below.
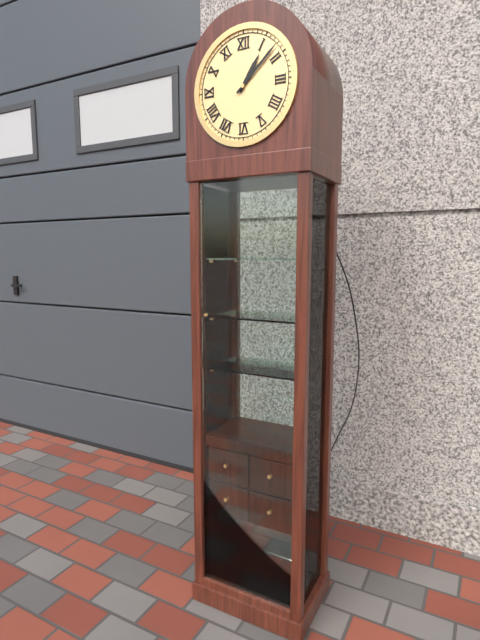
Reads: 1 h 08 min
